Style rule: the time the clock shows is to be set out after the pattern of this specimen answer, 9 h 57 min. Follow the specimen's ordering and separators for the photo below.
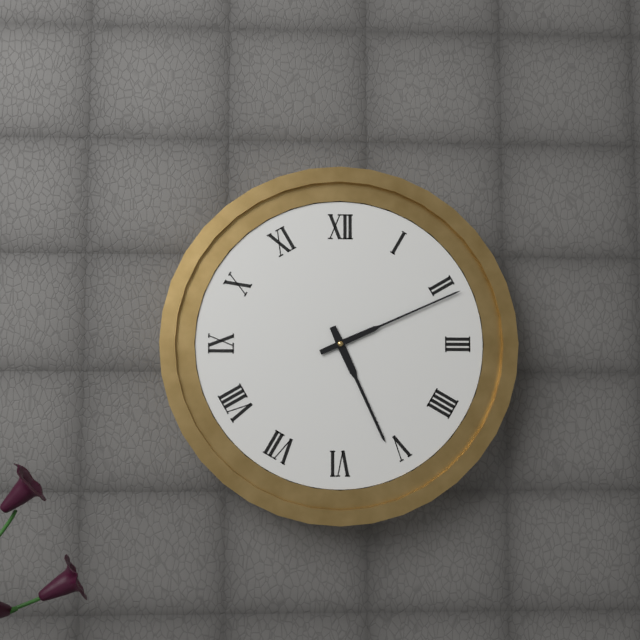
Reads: 5 h 11 min
